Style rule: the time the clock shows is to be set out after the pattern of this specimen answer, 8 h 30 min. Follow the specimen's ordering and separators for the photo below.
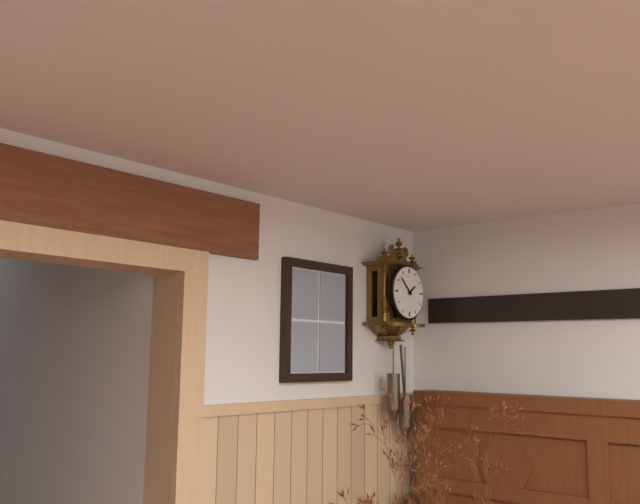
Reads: 1 h 52 min
